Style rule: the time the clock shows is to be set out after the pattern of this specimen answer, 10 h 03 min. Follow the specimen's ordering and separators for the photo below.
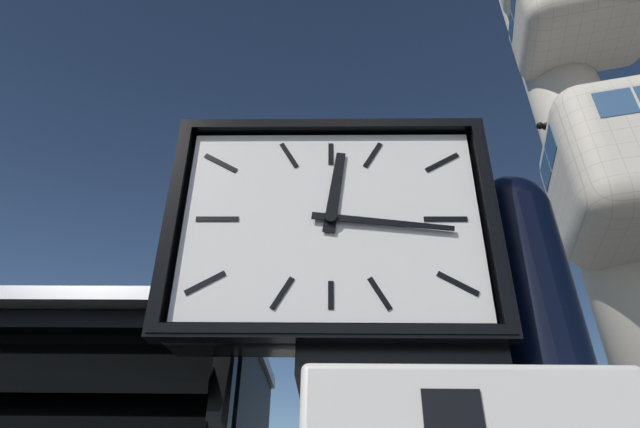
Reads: 12 h 16 min
